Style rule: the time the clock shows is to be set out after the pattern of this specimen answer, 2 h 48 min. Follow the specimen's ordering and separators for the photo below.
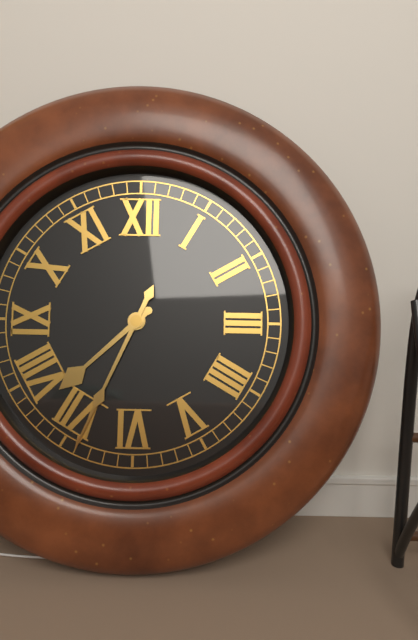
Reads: 7 h 34 min
